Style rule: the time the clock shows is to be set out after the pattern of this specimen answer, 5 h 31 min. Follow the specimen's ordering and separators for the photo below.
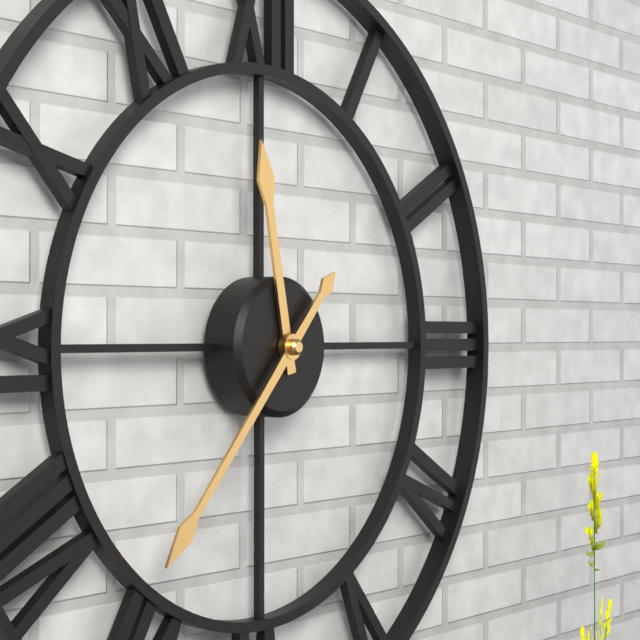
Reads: 11 h 37 min
